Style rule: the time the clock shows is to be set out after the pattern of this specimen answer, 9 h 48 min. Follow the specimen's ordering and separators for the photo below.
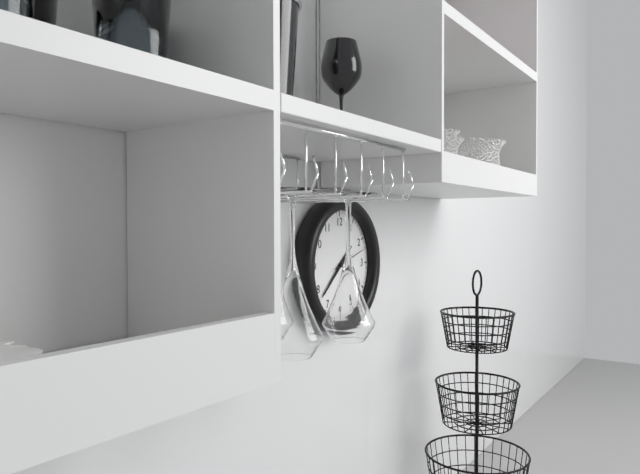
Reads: 1 h 38 min
